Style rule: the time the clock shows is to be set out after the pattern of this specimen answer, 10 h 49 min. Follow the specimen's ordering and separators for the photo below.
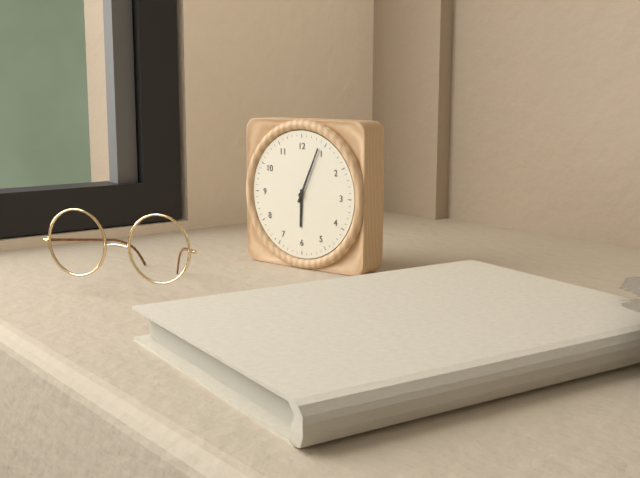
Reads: 6 h 04 min
